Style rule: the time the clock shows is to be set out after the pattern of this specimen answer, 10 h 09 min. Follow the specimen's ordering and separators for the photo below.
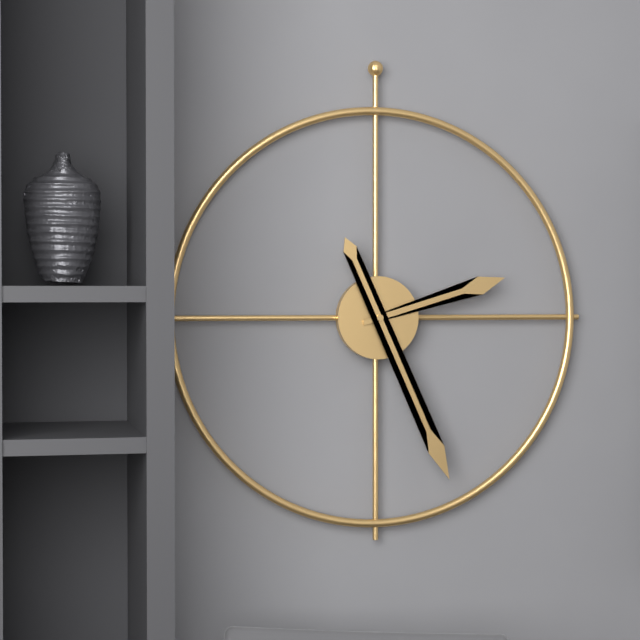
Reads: 2 h 26 min
